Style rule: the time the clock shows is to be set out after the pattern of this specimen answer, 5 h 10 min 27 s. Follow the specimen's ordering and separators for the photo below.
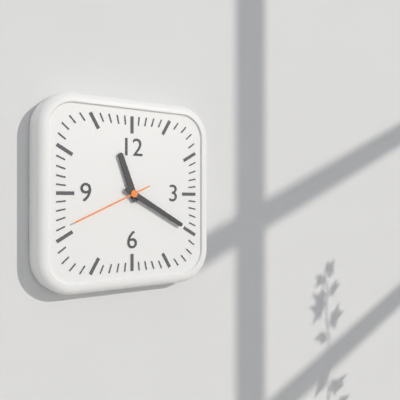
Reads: 11 h 20 min 41 s
